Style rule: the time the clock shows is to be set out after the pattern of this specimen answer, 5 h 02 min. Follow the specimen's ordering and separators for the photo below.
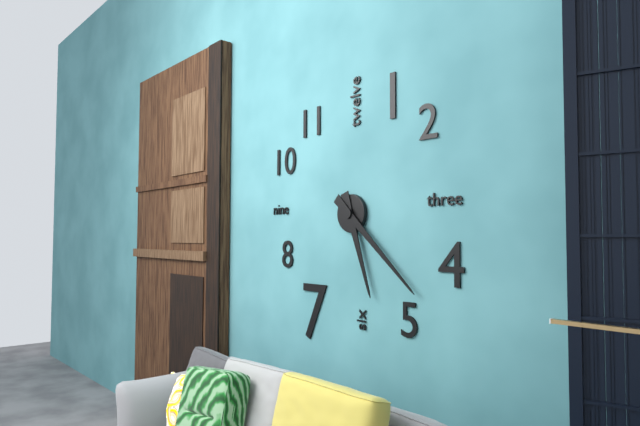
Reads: 5 h 22 min
